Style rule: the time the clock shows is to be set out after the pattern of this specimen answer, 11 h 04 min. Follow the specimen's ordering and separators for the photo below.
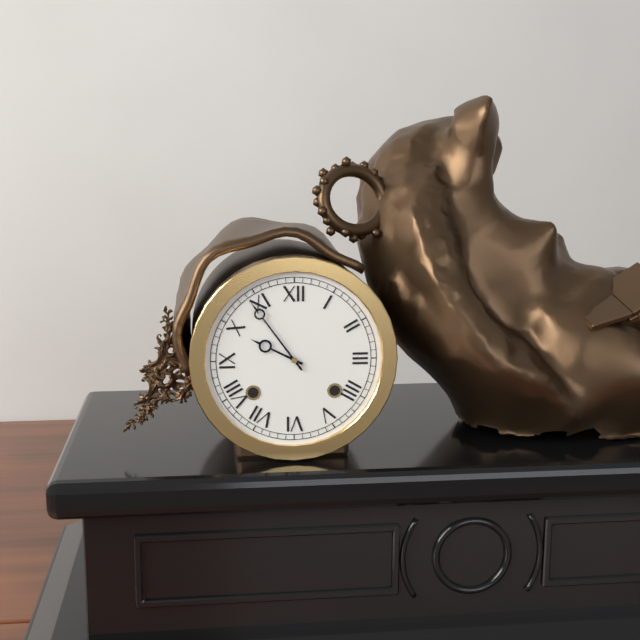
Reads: 9 h 54 min
